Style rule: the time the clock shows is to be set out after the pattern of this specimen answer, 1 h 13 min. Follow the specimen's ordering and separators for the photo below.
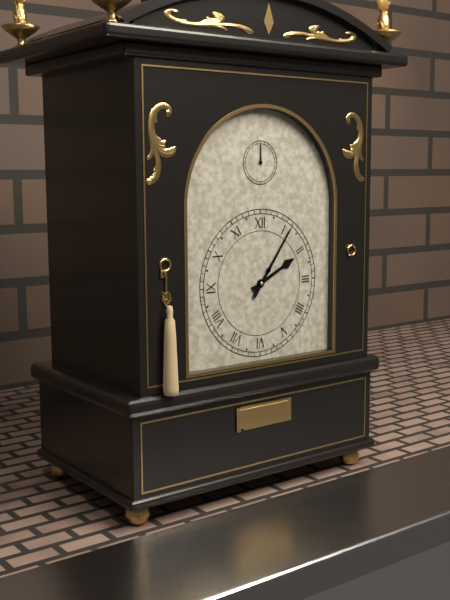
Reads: 2 h 06 min
